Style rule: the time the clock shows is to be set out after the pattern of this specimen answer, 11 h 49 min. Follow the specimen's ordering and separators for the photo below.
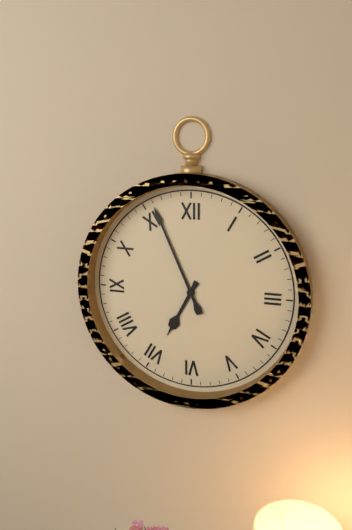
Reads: 6 h 56 min
